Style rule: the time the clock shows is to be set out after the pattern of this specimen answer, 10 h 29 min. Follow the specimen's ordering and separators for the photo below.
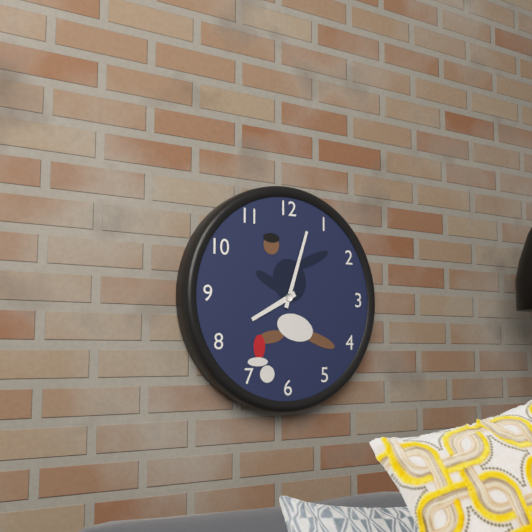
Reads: 8 h 03 min
